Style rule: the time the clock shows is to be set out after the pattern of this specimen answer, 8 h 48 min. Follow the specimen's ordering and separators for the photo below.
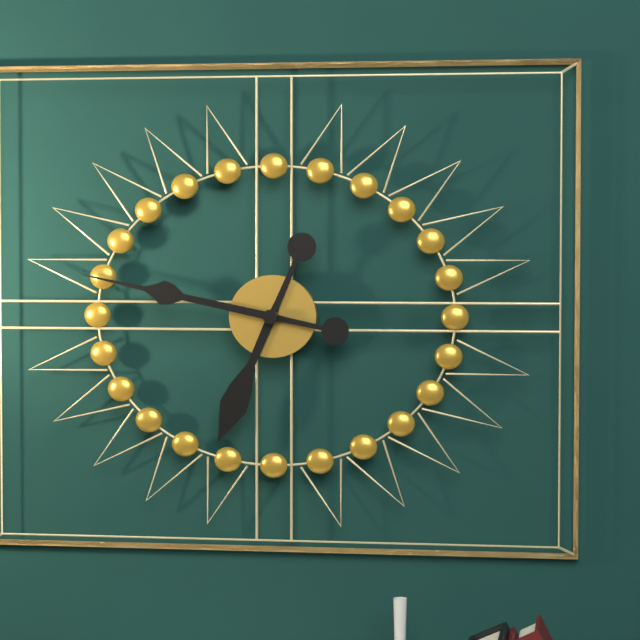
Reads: 6 h 47 min
